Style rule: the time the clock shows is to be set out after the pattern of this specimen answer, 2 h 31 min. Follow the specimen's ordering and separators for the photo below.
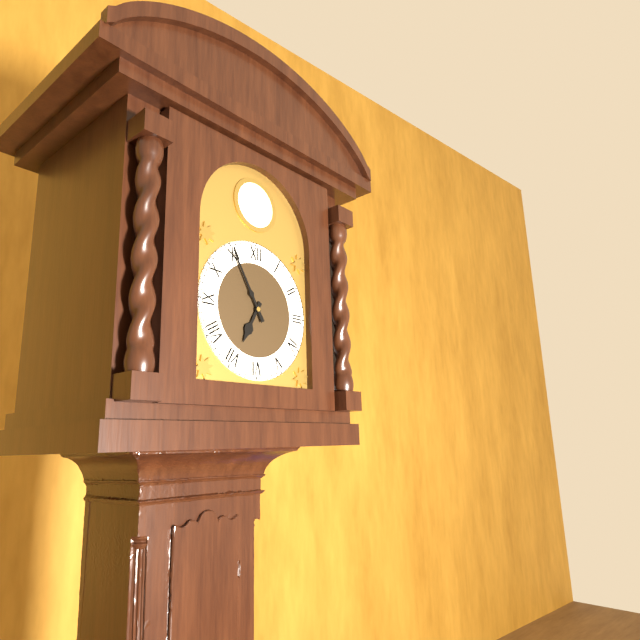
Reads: 6 h 55 min
